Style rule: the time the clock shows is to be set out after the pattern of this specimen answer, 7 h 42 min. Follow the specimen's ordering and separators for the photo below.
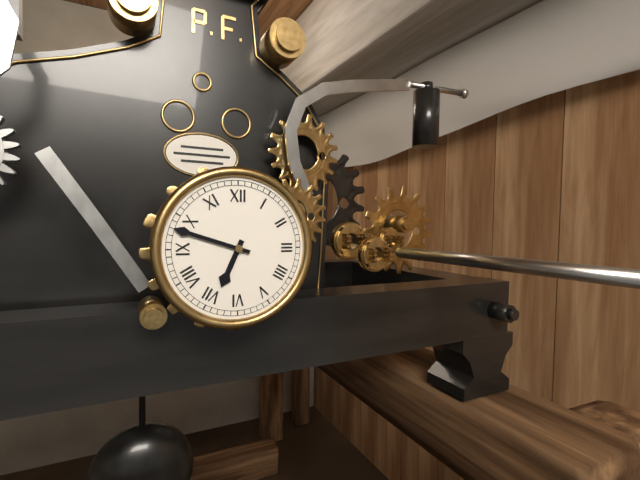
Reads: 6 h 48 min
